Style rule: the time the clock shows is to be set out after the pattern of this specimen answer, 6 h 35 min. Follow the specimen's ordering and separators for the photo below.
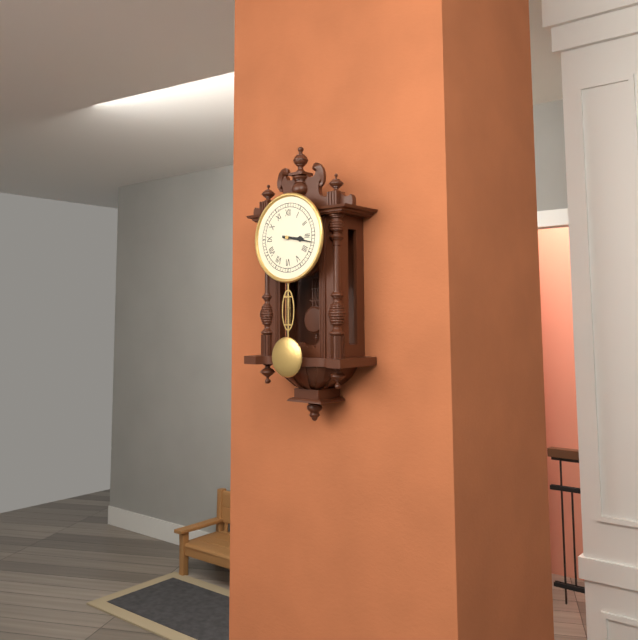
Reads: 3 h 17 min
